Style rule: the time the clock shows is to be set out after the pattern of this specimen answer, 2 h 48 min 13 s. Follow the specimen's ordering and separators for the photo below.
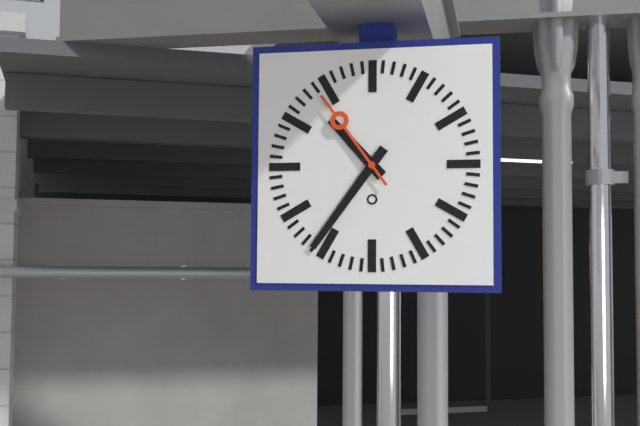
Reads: 10 h 36 min 54 s
